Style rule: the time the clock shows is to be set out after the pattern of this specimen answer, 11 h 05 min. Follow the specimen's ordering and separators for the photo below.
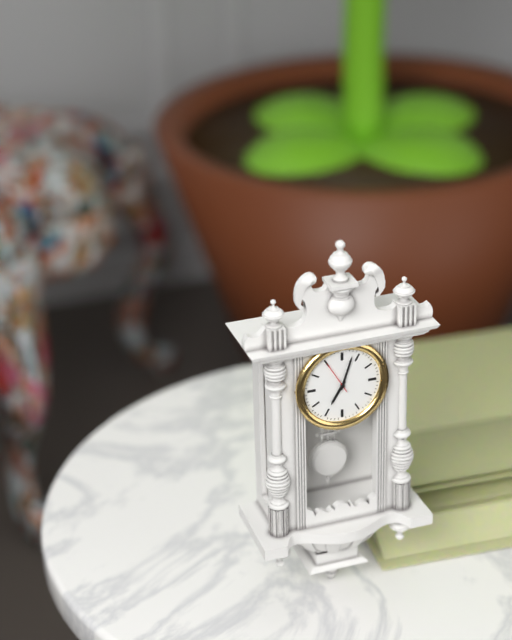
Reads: 7 h 03 min
